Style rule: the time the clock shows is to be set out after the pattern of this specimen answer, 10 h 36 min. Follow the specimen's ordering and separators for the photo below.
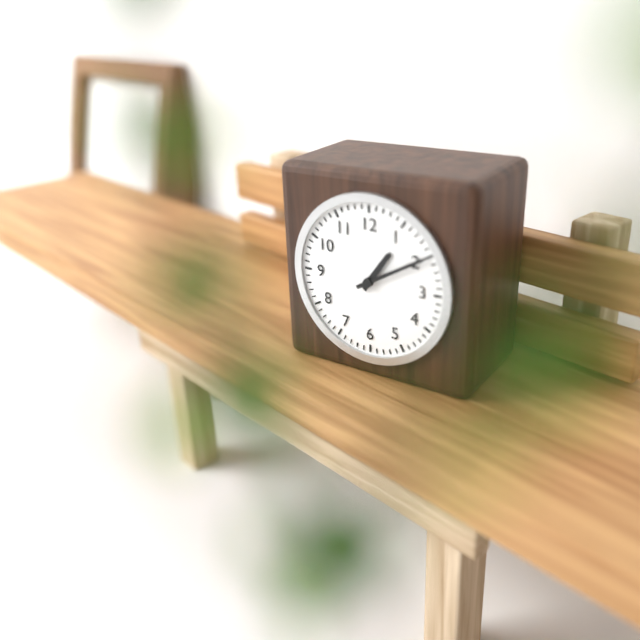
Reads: 1 h 10 min
